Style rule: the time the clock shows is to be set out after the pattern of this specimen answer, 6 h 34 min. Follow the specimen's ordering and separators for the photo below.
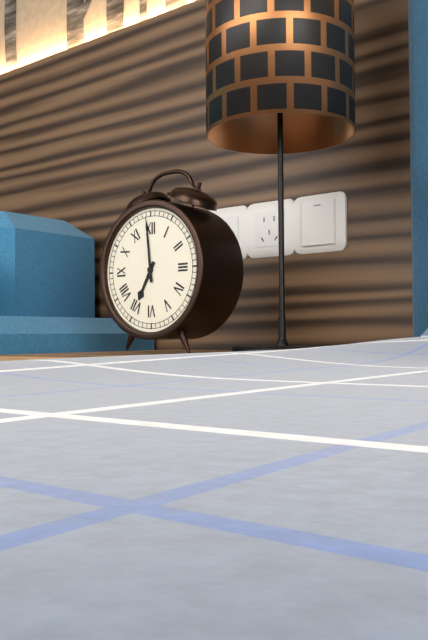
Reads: 6 h 59 min
